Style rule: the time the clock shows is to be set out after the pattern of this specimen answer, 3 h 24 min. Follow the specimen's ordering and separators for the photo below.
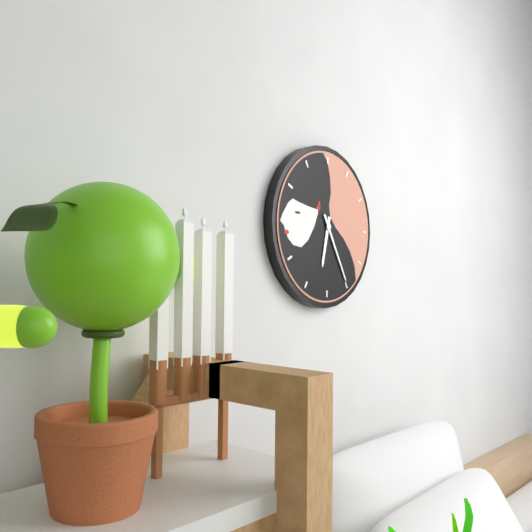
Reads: 6 h 25 min
